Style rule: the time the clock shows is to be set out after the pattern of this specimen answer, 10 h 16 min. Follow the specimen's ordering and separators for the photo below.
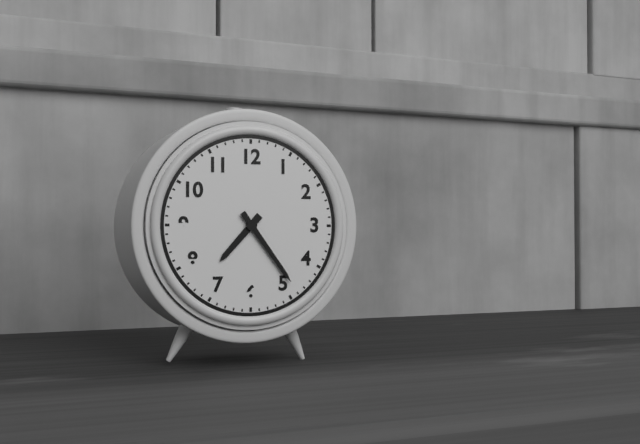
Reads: 7 h 24 min
